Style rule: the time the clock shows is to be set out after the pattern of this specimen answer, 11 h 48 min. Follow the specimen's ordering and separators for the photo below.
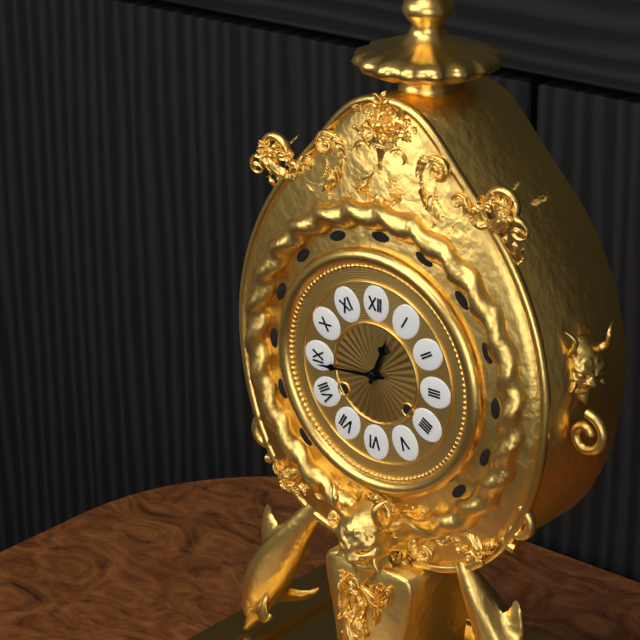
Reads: 12 h 44 min
